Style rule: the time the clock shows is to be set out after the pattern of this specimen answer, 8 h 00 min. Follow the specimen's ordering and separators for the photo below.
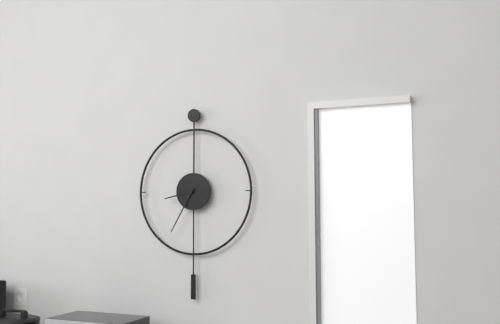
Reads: 8 h 35 min
